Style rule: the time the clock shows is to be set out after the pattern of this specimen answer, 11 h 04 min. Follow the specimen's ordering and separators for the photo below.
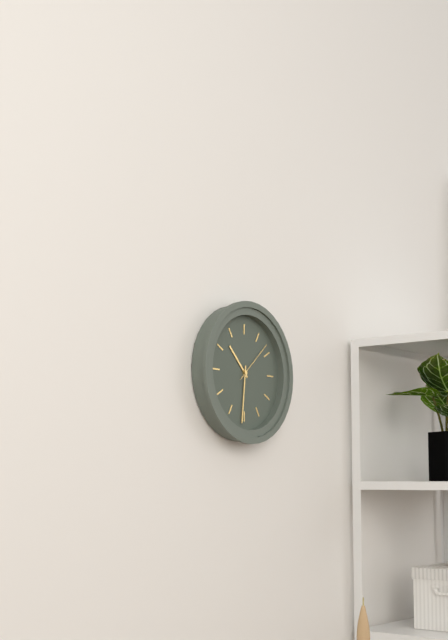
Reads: 10 h 31 min
